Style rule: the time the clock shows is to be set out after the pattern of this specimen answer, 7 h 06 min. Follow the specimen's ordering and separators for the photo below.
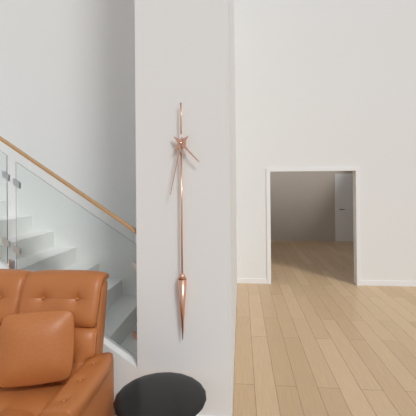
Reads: 4 h 32 min
